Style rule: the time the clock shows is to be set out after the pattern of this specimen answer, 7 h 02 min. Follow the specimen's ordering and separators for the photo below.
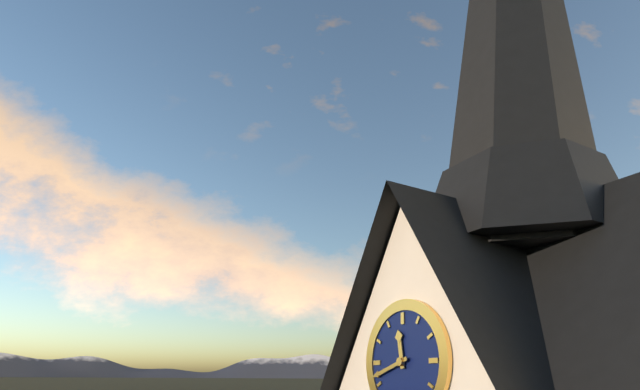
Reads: 11 h 42 min
